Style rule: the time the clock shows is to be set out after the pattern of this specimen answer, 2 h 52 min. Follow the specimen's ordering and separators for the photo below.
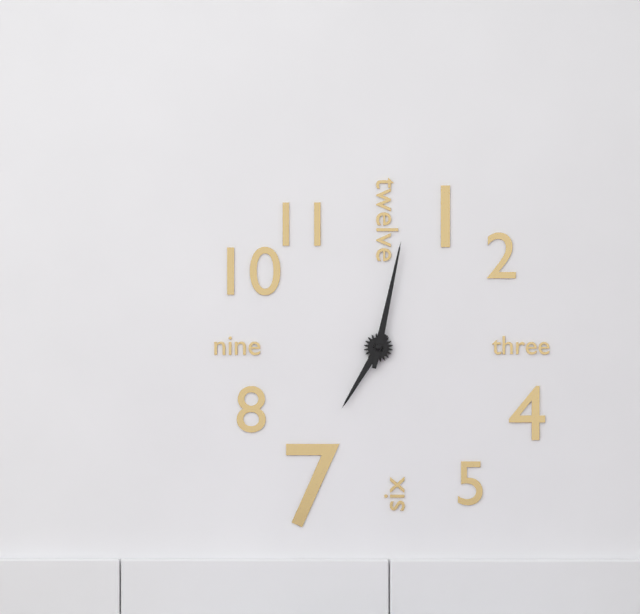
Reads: 7 h 02 min
